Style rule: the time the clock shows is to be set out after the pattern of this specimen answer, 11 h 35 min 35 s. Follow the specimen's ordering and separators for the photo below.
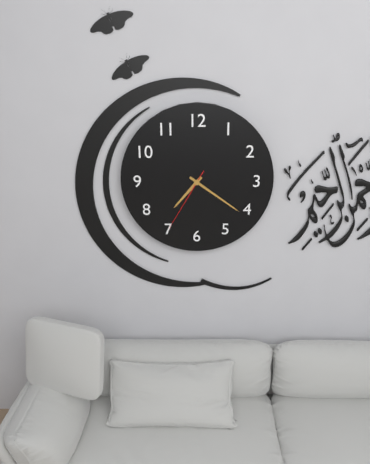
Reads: 7 h 21 min 35 s
